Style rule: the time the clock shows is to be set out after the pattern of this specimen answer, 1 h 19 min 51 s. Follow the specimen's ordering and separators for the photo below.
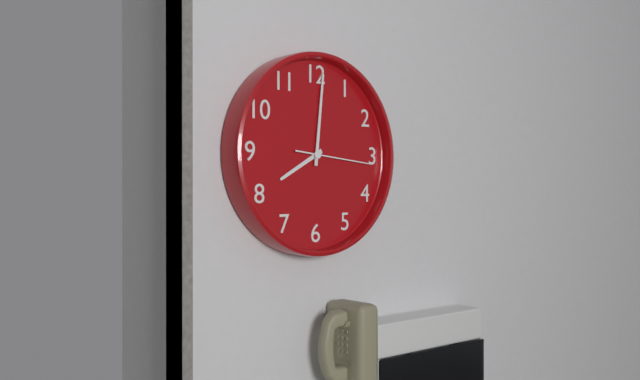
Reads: 8 h 01 min 16 s
